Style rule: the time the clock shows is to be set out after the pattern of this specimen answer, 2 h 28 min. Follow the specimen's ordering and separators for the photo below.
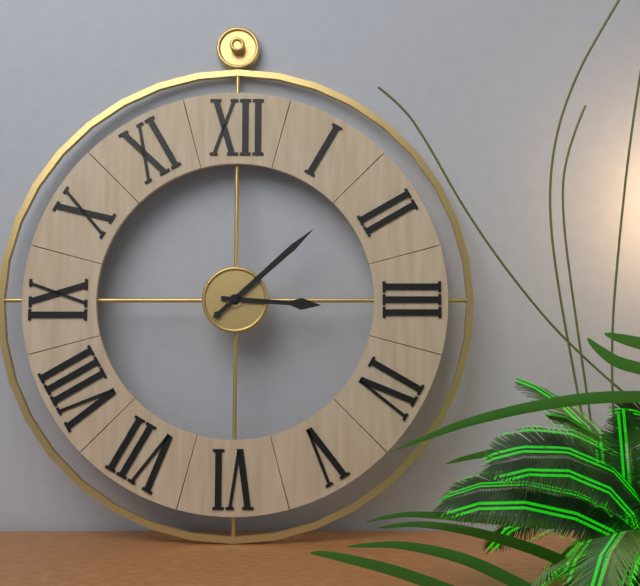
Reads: 3 h 08 min
